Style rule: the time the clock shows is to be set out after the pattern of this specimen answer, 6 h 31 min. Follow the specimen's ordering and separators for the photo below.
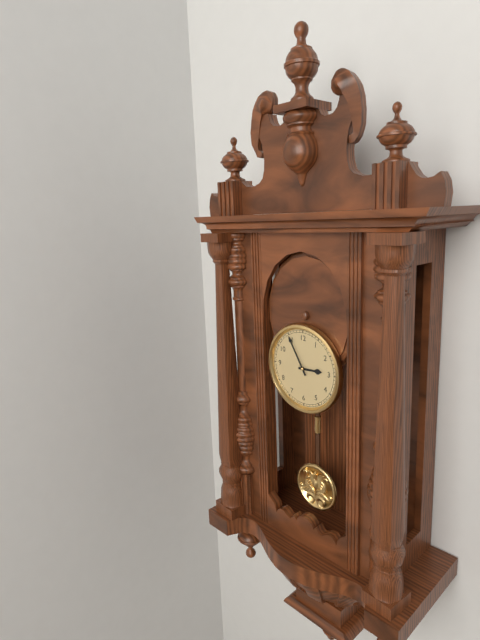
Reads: 2 h 55 min
